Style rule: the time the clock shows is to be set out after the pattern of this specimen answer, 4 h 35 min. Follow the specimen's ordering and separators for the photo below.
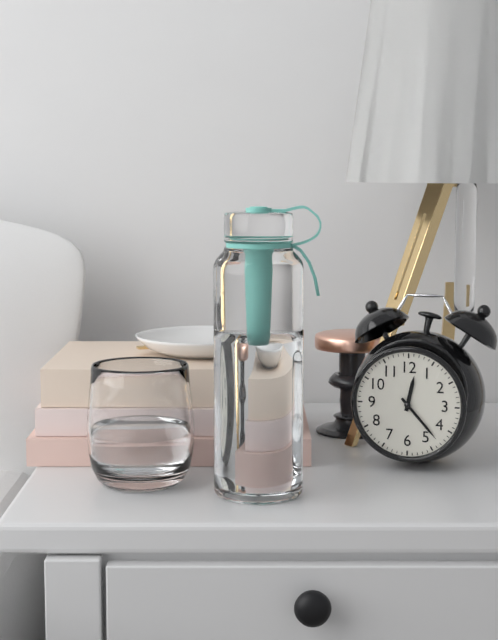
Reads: 12 h 23 min
